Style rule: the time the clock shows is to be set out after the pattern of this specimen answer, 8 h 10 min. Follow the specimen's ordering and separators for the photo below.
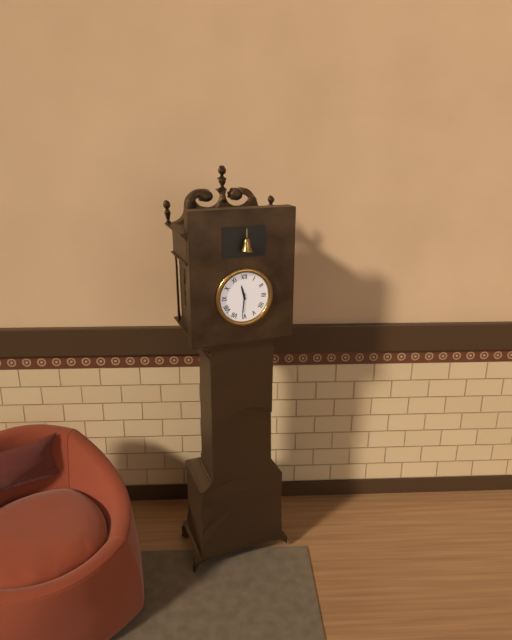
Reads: 11 h 31 min
